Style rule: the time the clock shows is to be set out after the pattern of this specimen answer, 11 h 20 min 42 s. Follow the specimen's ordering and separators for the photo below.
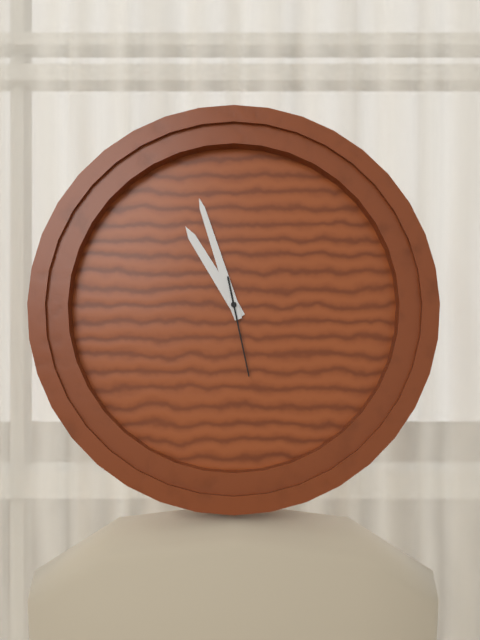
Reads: 10 h 57 min 28 s
